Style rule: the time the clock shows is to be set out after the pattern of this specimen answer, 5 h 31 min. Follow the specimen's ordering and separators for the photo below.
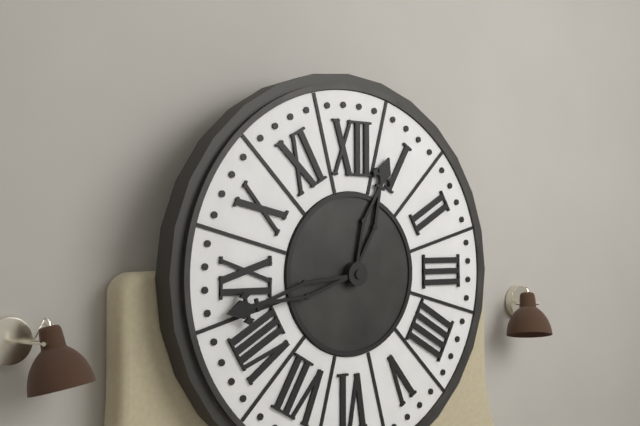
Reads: 12 h 43 min
